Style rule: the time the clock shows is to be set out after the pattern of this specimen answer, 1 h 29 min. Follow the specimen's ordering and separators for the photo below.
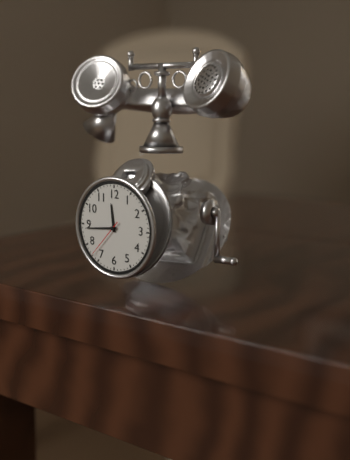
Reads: 11 h 44 min
